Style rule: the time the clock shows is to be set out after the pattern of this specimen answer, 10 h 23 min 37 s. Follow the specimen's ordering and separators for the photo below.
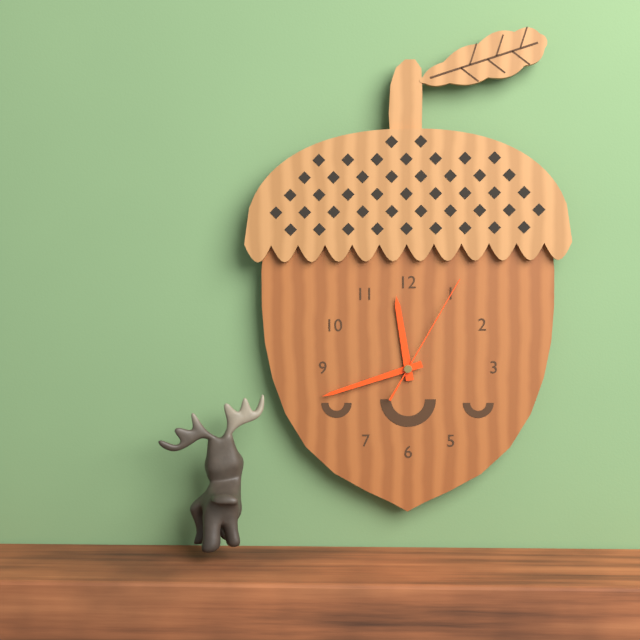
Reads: 11 h 42 min 05 s
